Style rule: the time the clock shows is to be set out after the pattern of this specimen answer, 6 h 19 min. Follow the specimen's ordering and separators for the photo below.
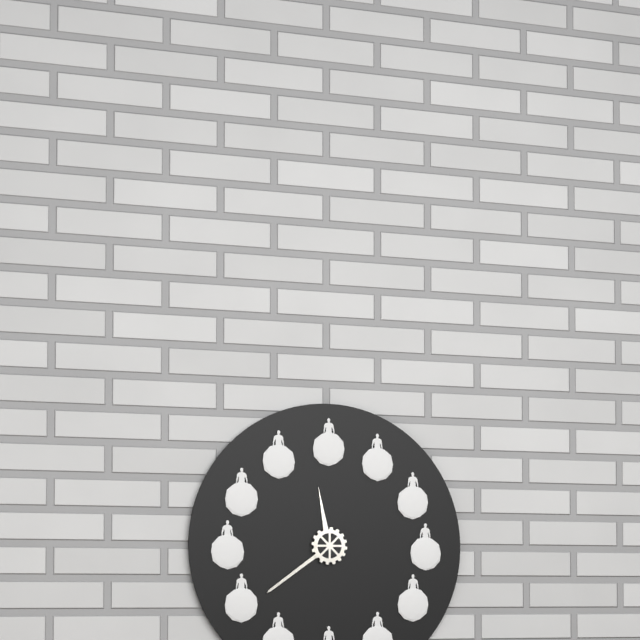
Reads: 11 h 39 min
